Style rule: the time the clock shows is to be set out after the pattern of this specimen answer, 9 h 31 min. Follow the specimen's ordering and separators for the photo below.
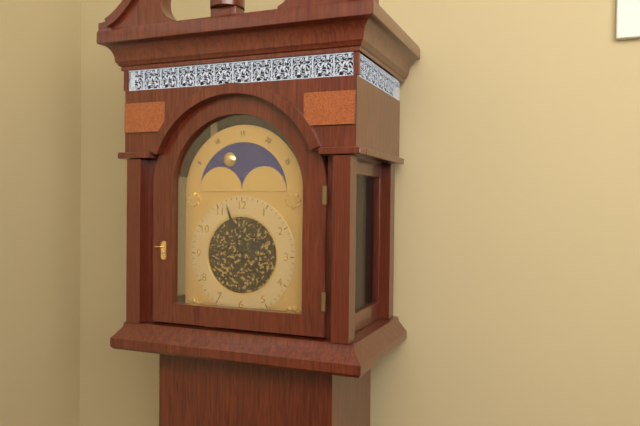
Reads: 1 h 57 min
